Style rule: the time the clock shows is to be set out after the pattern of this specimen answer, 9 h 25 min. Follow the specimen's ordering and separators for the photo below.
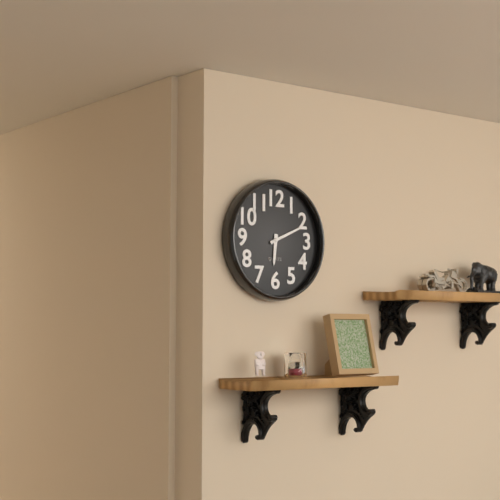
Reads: 6 h 11 min
